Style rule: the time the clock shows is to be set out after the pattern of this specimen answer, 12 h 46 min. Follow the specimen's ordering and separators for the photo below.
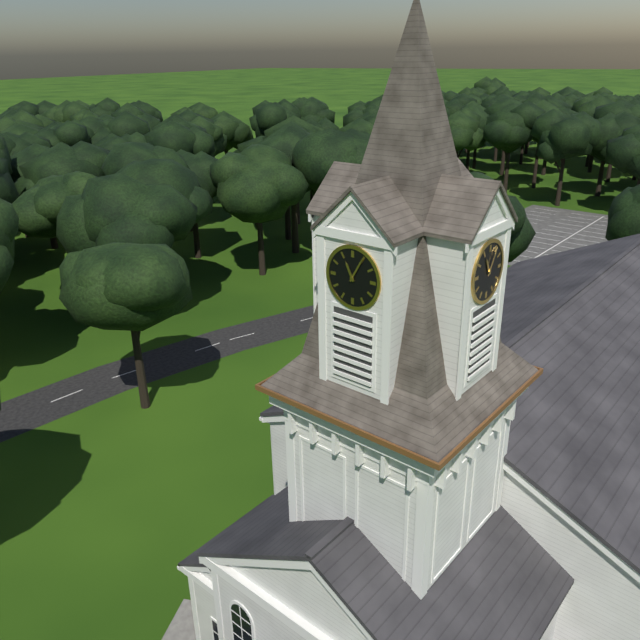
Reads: 11 h 05 min
